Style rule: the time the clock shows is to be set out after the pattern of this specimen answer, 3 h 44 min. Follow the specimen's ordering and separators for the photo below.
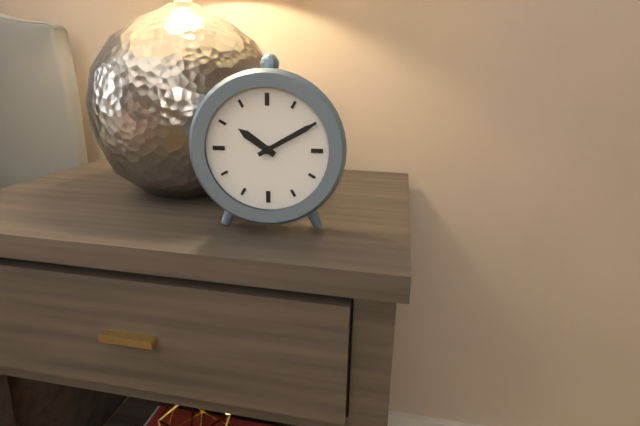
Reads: 10 h 10 min
